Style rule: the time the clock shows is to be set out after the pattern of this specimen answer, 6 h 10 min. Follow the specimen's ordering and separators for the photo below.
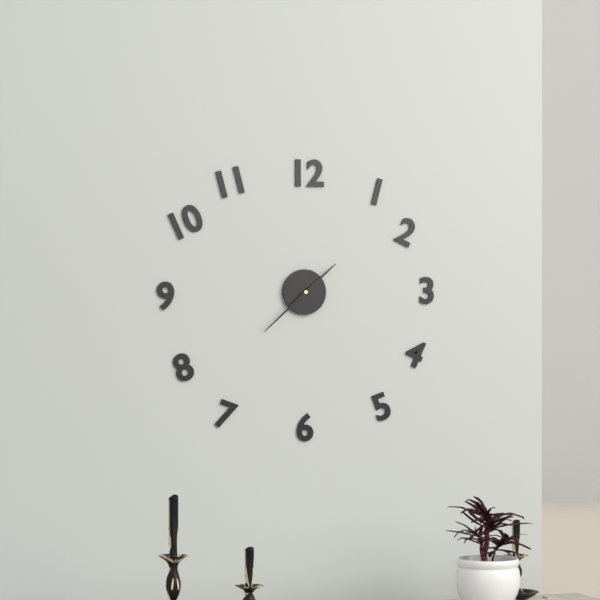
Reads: 1 h 38 min
